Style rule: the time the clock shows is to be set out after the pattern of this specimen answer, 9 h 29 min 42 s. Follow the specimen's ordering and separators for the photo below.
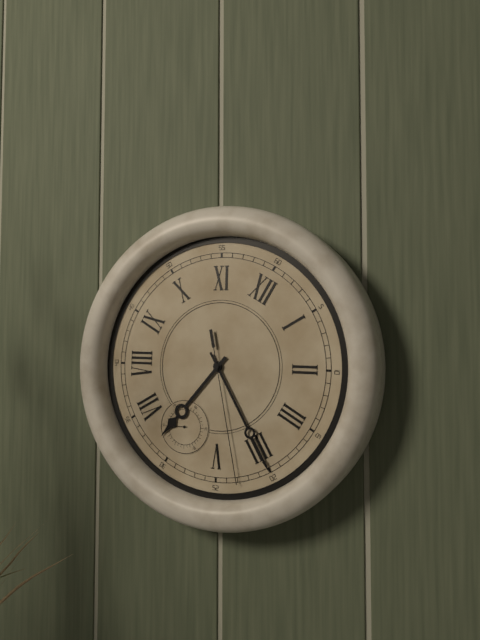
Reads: 6 h 20 min 23 s
